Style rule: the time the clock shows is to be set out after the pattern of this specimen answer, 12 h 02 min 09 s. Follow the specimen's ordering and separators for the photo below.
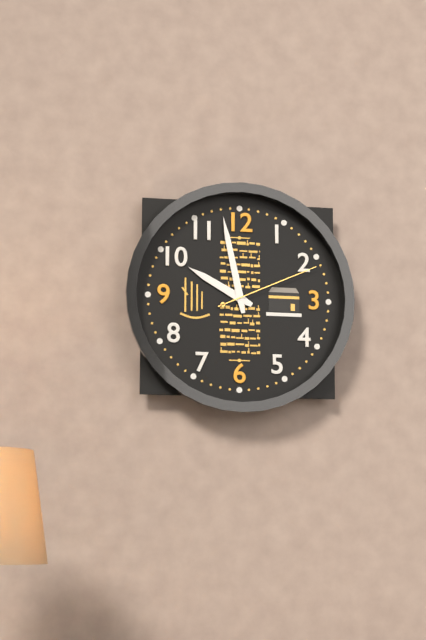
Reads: 9 h 58 min 11 s
